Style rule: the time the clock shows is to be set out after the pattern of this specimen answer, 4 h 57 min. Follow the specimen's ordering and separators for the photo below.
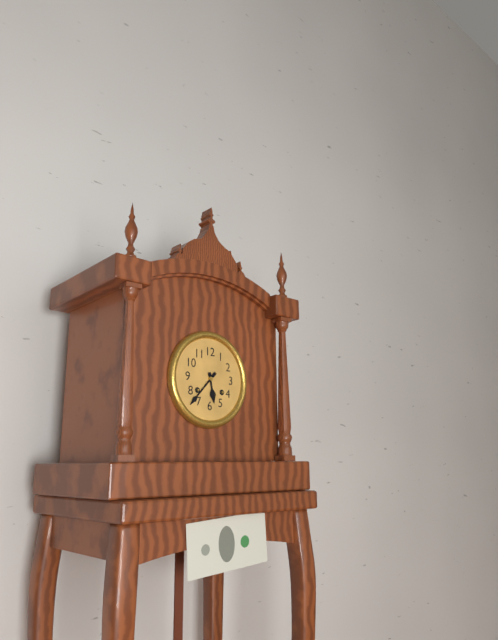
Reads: 5 h 37 min
